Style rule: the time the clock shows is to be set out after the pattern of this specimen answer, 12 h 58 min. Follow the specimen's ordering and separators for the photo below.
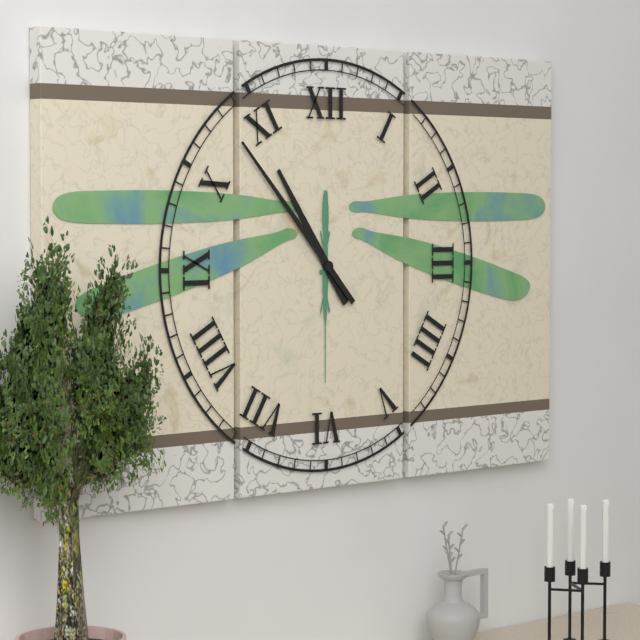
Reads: 10 h 53 min
